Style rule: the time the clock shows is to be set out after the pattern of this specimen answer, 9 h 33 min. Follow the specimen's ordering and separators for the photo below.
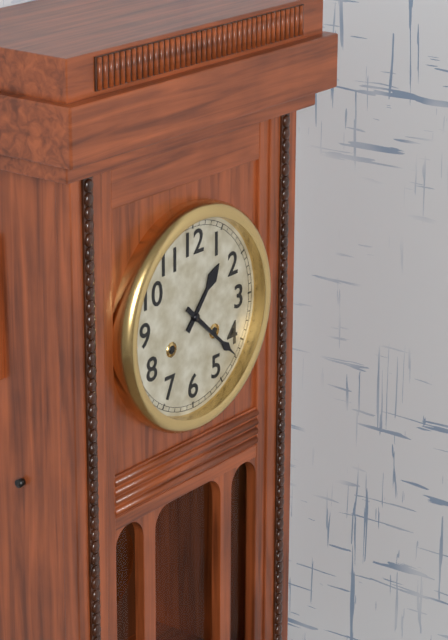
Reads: 1 h 22 min
